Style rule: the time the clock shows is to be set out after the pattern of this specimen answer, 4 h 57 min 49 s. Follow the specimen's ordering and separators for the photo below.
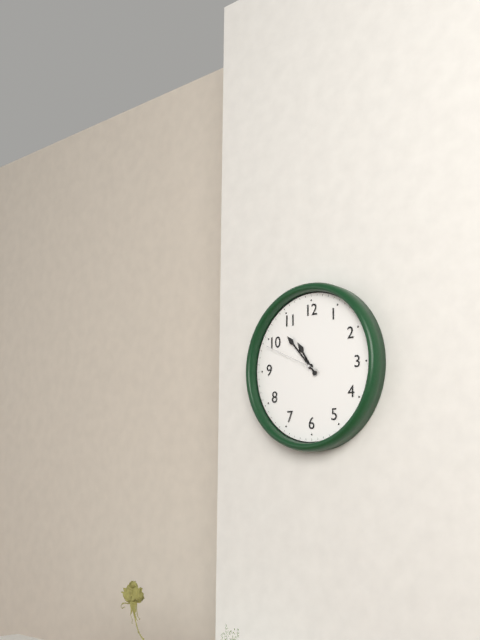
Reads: 10 h 53 min 49 s
